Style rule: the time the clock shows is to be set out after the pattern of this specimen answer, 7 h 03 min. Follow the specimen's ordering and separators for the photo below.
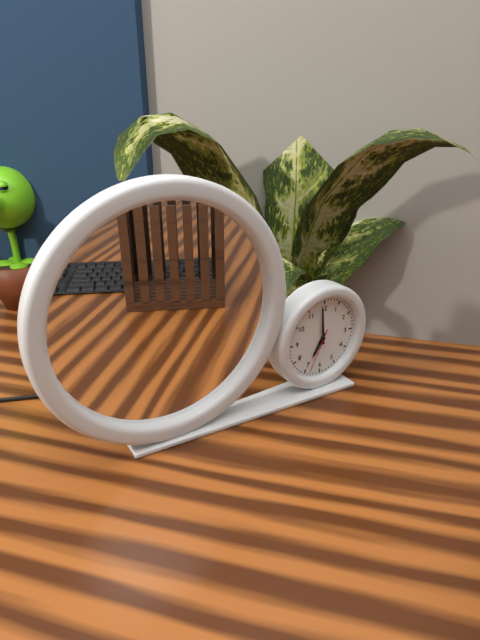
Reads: 6 h 59 min
